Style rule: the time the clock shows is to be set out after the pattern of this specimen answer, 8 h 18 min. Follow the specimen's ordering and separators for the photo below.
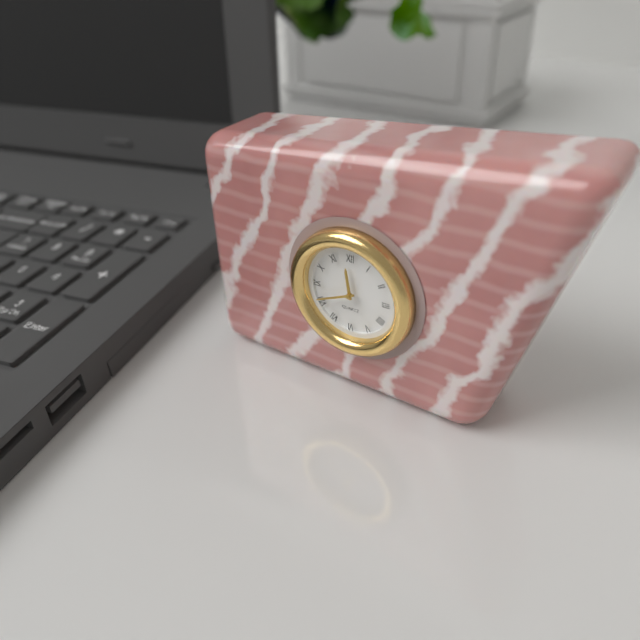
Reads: 11 h 41 min
